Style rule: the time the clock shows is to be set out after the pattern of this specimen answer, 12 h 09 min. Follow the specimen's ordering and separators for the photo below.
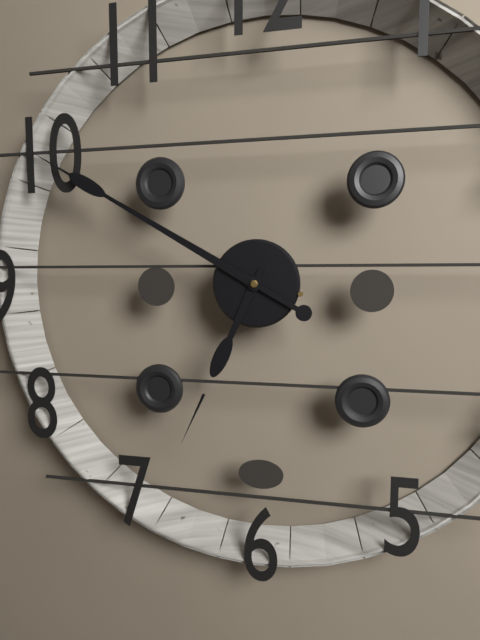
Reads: 6 h 50 min
